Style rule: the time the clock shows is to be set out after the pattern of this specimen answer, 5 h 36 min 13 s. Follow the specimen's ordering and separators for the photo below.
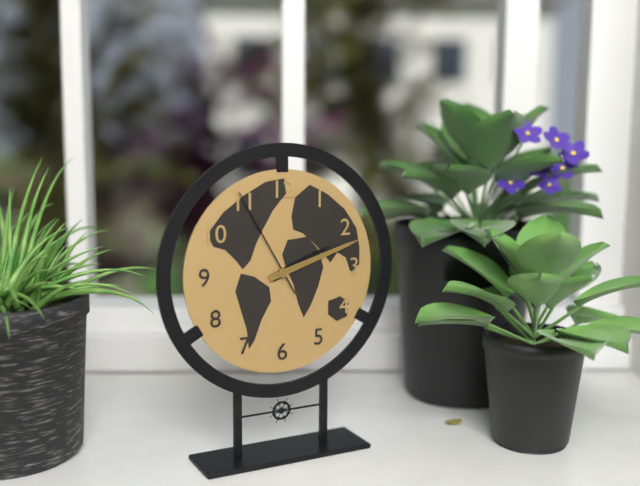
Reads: 2 h 12 min 55 s
